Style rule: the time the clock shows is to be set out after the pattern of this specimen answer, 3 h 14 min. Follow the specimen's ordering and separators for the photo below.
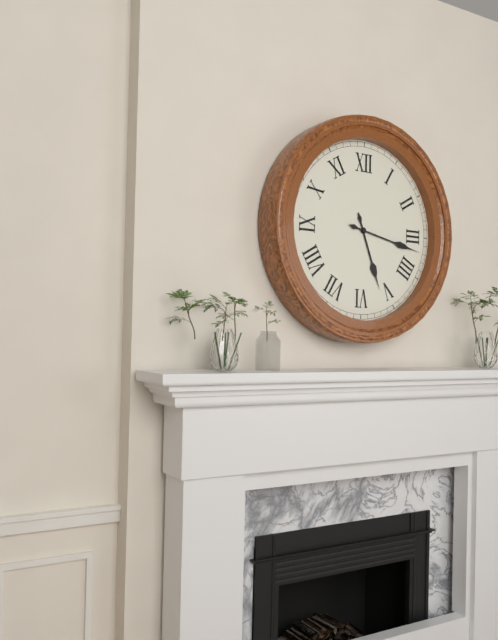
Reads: 5 h 17 min
